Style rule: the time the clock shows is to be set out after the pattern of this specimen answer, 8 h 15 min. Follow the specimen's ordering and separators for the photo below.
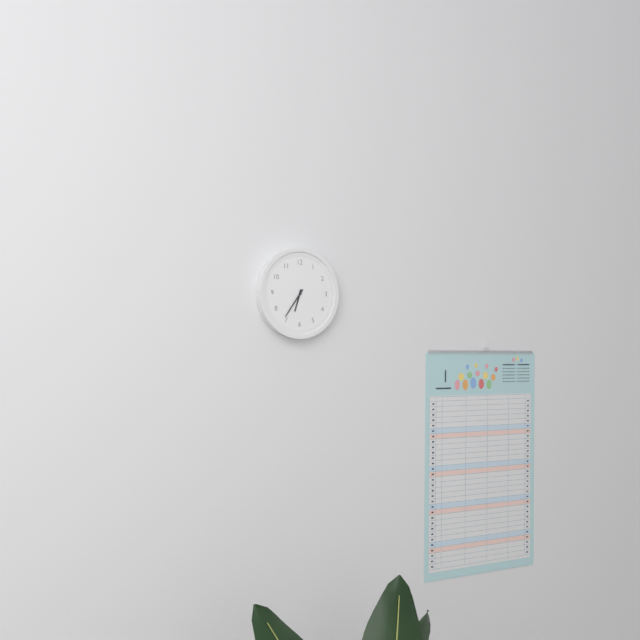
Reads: 6 h 36 min
